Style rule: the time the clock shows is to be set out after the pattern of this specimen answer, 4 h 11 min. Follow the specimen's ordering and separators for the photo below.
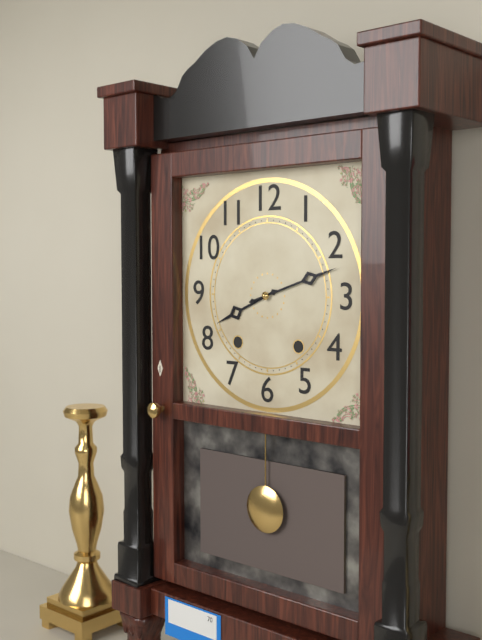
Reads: 8 h 12 min
